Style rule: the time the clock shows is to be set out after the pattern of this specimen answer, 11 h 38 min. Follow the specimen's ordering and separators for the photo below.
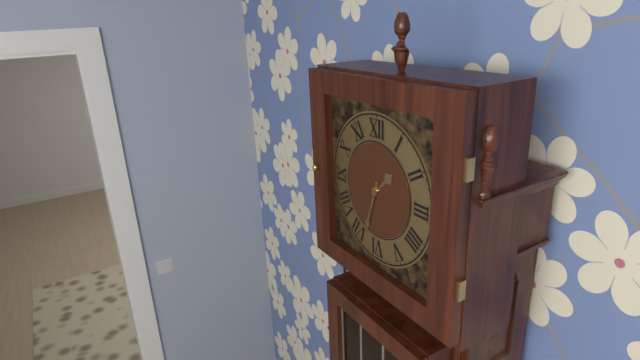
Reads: 1 h 33 min
